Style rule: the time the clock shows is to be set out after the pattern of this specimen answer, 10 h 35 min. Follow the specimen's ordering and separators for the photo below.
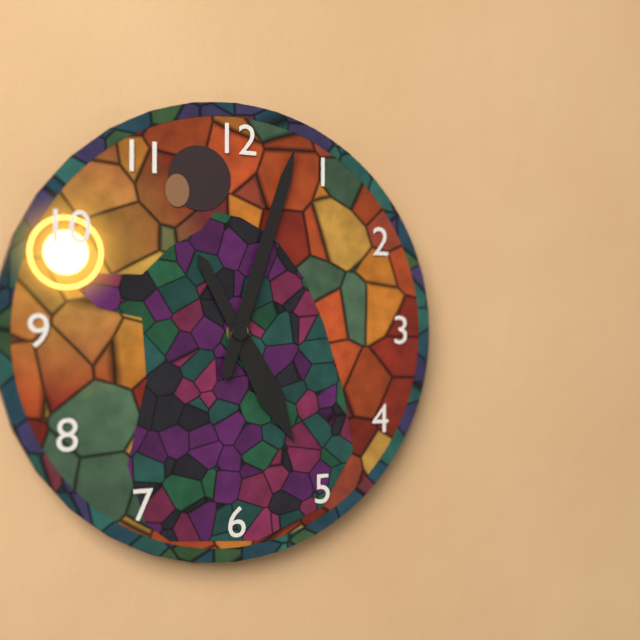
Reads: 5 h 03 min
